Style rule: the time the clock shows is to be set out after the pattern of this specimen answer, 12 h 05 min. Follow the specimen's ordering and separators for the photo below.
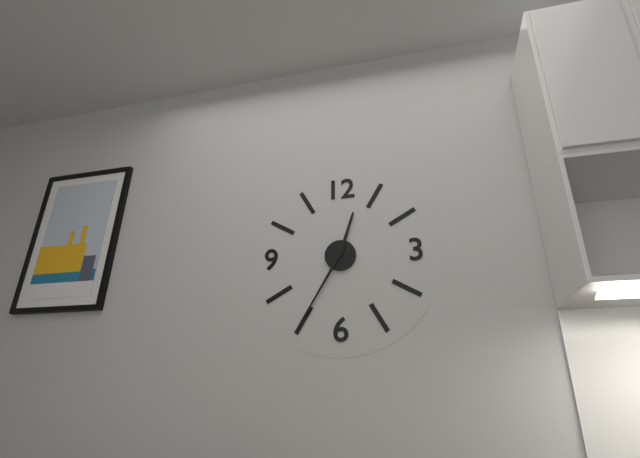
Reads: 12 h 35 min
